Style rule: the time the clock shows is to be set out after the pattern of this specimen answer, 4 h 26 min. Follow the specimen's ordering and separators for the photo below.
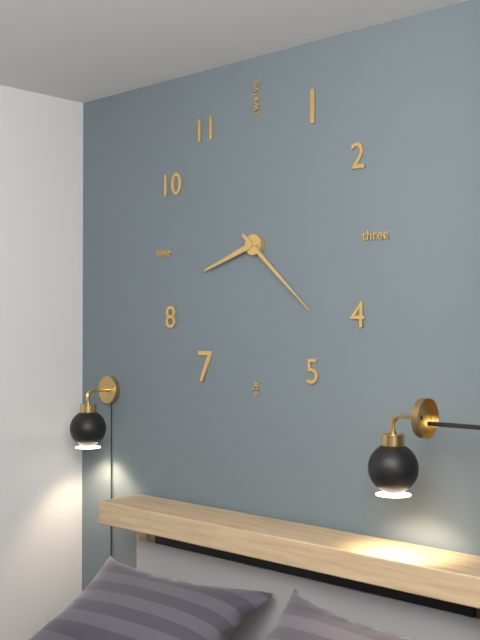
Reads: 8 h 22 min
